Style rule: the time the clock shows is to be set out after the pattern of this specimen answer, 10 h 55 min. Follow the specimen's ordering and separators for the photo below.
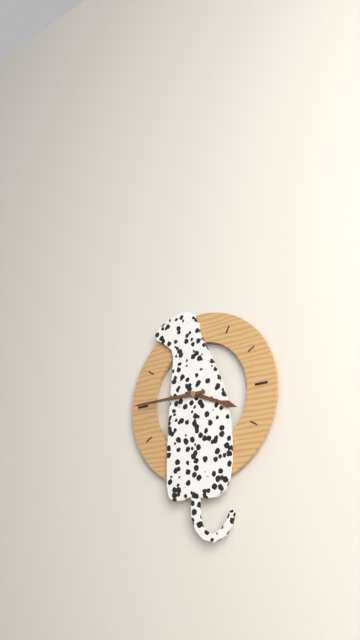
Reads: 3 h 45 min
